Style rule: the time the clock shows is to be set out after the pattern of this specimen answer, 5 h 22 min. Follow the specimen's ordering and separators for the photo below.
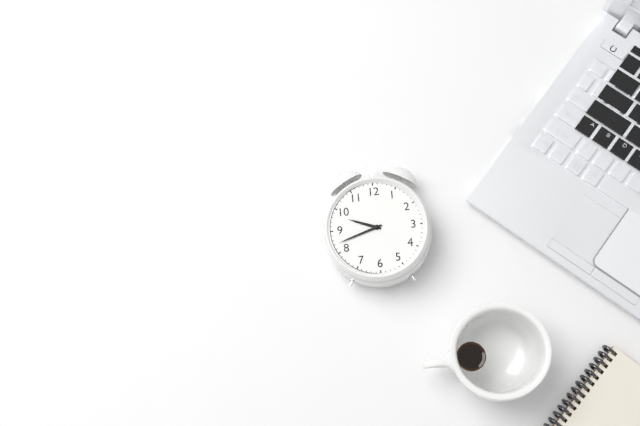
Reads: 9 h 42 min
